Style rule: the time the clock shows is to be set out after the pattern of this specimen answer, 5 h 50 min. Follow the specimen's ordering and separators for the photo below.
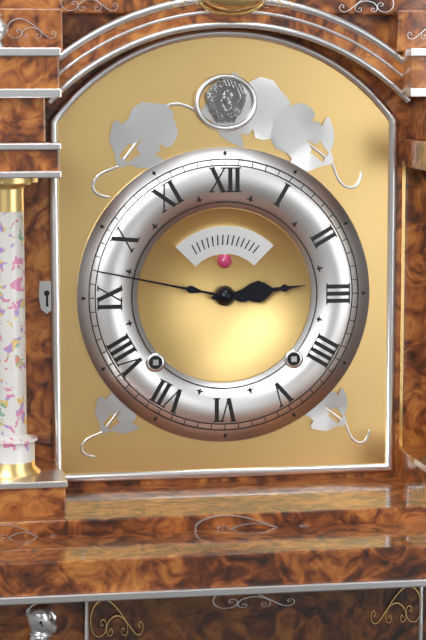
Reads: 2 h 47 min
